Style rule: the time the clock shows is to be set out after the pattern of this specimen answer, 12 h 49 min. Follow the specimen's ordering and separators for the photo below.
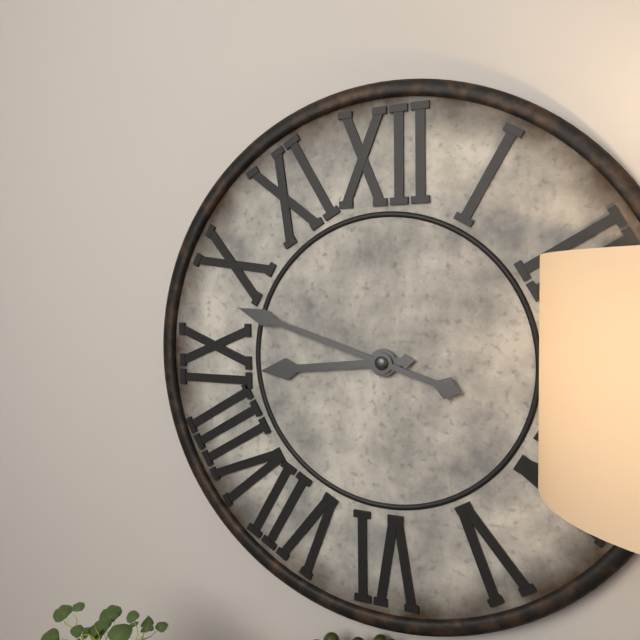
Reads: 8 h 48 min
